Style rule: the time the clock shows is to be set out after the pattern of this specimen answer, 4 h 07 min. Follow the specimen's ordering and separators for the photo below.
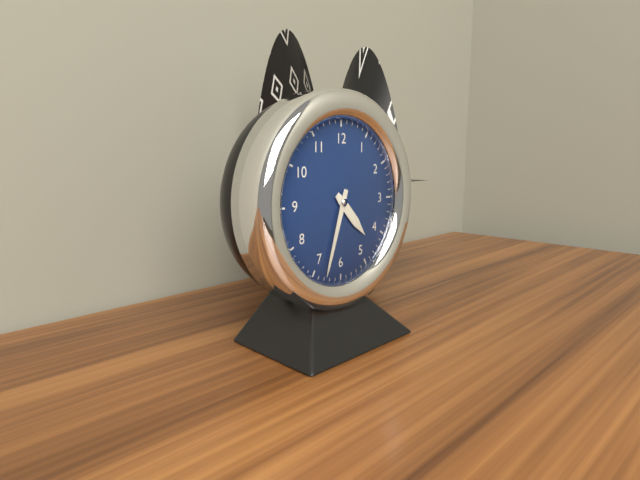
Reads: 4 h 33 min
